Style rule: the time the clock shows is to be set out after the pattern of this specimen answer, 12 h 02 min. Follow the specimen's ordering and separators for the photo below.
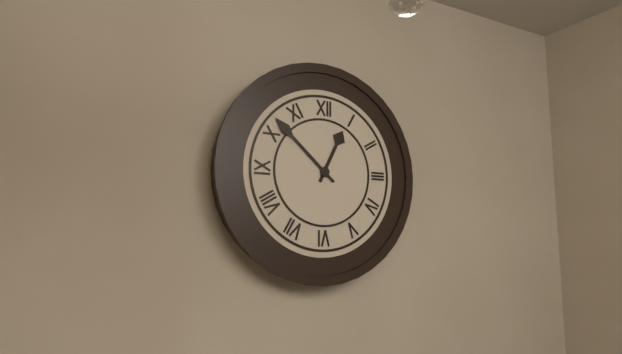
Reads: 12 h 52 min
